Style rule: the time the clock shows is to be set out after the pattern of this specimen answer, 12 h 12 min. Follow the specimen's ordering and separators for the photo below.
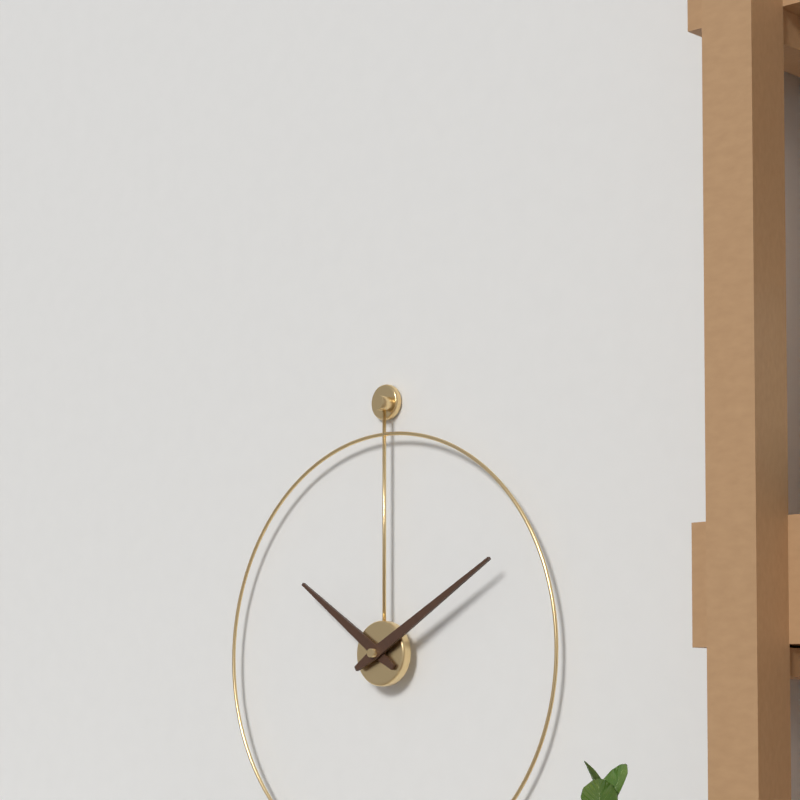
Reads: 10 h 10 min
